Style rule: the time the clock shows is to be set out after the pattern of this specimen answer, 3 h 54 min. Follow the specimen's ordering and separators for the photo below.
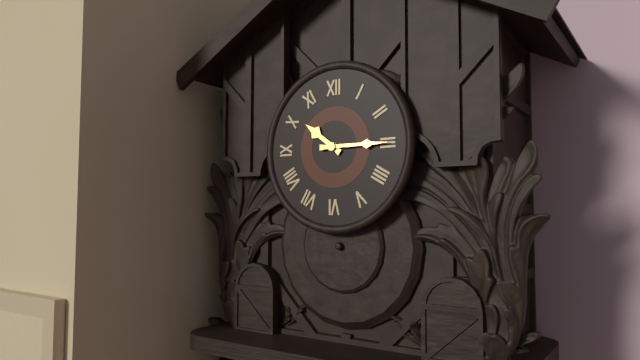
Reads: 10 h 15 min
